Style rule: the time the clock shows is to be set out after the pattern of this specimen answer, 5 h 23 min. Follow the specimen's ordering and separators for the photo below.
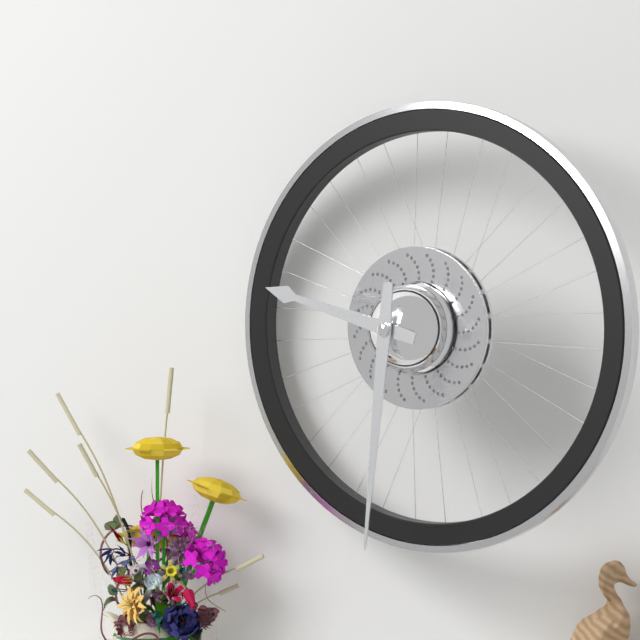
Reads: 9 h 31 min
